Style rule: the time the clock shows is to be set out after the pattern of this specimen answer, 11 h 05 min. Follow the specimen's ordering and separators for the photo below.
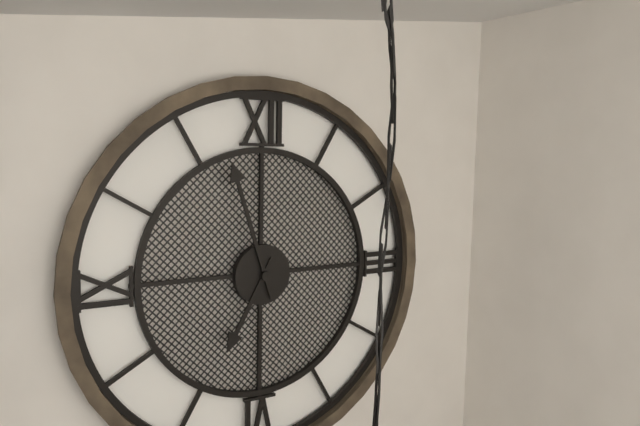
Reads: 6 h 57 min
